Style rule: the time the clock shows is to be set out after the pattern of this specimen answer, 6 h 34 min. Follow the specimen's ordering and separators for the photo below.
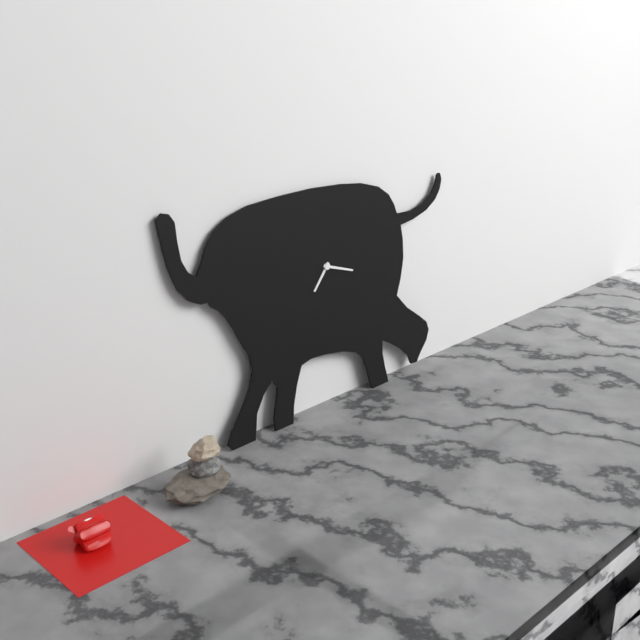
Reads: 7 h 18 min
